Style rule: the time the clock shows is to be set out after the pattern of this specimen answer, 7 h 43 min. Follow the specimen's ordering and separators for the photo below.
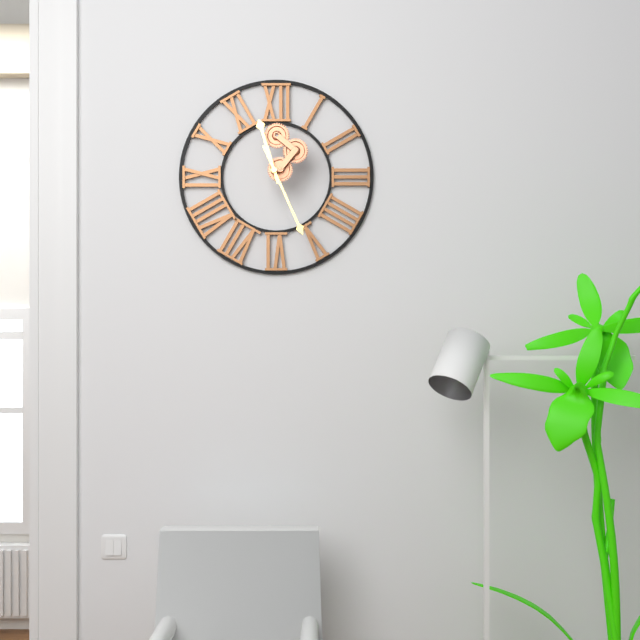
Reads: 11 h 26 min
